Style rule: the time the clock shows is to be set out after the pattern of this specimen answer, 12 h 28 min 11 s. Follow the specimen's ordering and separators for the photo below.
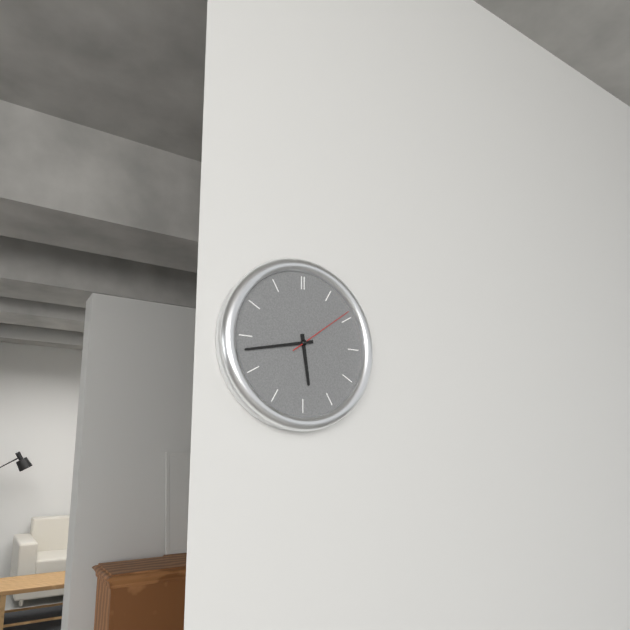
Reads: 5 h 43 min 09 s
